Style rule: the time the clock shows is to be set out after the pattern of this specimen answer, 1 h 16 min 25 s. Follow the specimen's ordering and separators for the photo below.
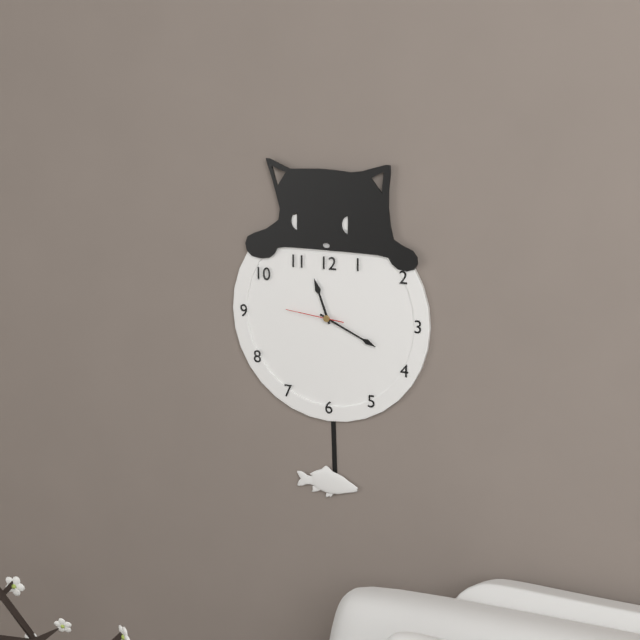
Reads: 11 h 19 min 46 s
